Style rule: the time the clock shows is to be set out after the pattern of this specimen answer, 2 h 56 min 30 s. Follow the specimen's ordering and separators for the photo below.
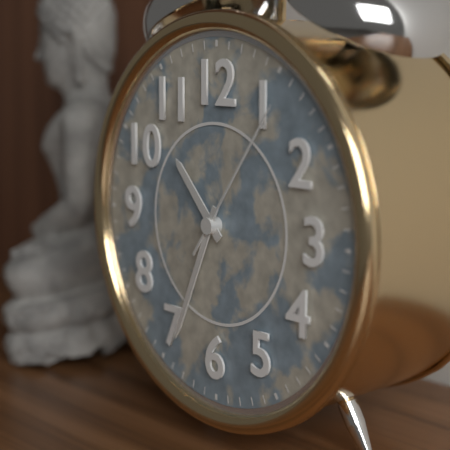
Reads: 10 h 34 min 06 s
